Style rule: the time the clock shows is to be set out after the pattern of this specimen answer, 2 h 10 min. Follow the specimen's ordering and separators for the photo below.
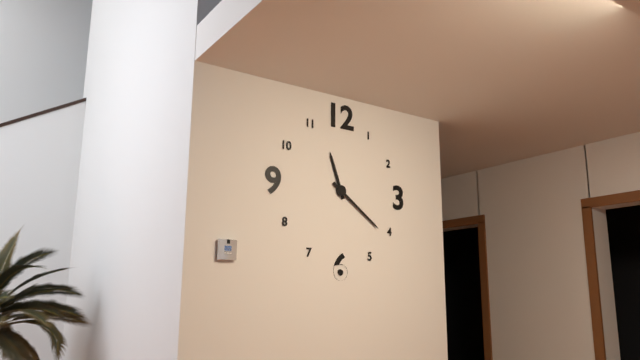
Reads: 11 h 21 min
